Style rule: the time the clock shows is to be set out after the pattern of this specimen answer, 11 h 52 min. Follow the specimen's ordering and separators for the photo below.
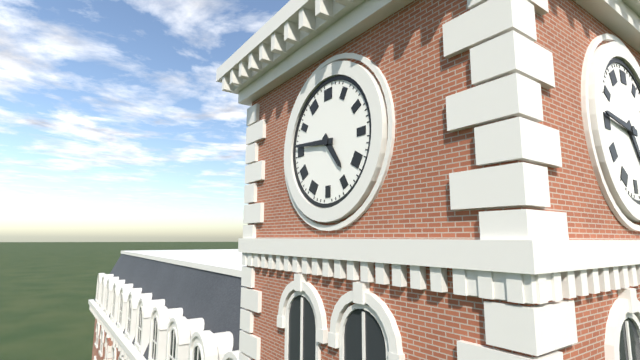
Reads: 4 h 46 min
